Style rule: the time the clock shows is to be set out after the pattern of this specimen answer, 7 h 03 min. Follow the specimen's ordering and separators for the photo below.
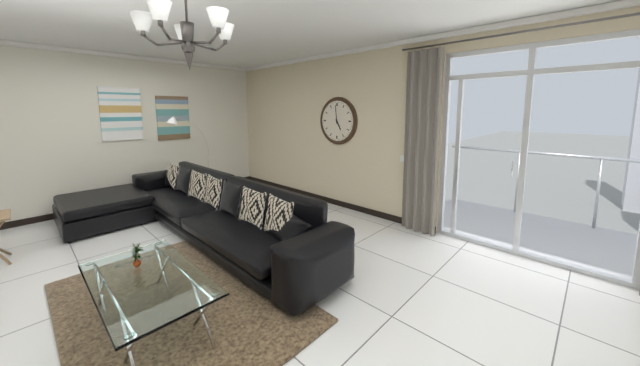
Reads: 4 h 59 min
